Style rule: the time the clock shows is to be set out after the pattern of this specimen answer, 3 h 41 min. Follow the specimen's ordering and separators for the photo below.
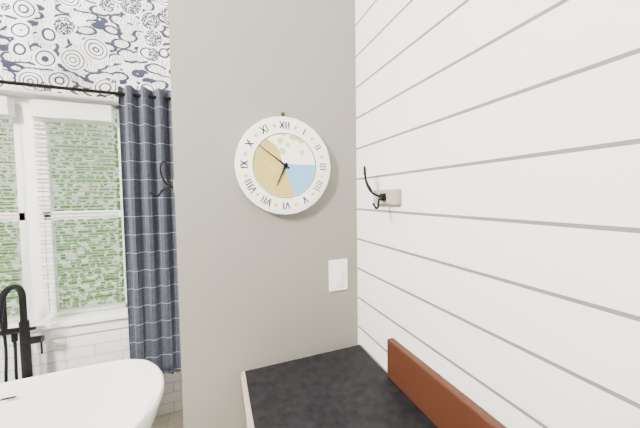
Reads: 6 h 51 min
